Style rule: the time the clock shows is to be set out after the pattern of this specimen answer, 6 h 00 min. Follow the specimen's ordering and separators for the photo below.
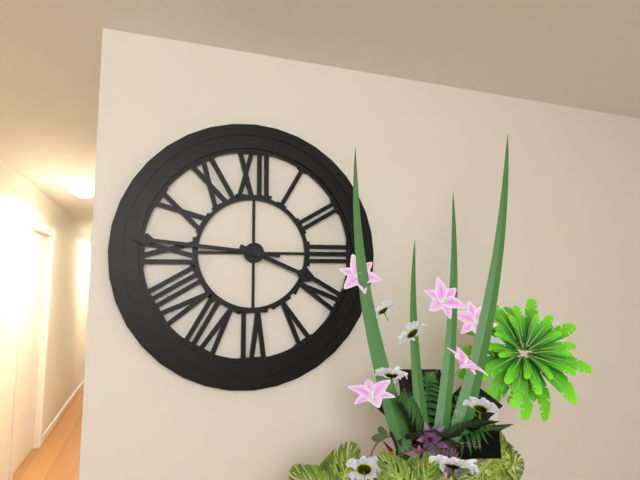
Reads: 3 h 46 min
